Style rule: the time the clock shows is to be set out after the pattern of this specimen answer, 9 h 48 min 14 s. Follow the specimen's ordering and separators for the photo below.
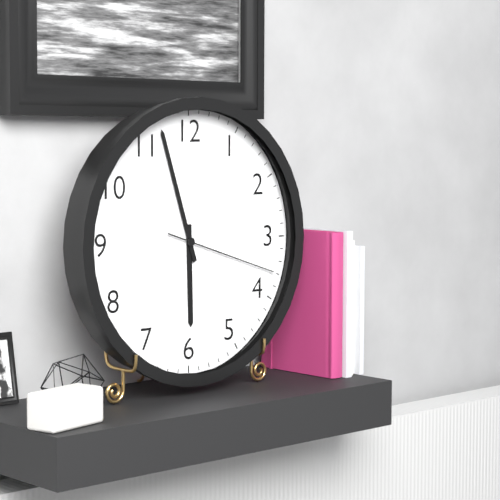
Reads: 5 h 57 min 18 s
